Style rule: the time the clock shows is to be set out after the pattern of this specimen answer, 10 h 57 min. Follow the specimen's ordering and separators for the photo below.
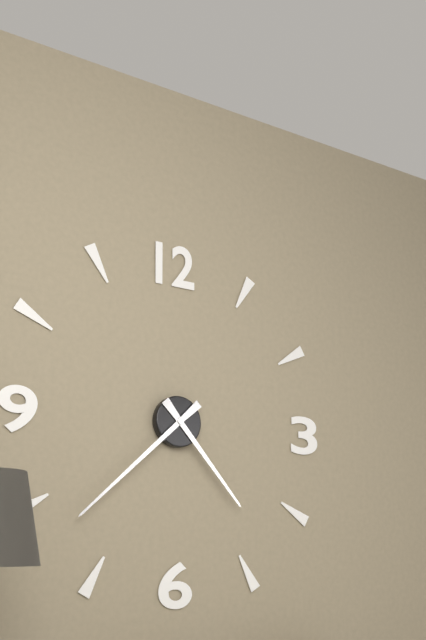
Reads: 4 h 38 min
